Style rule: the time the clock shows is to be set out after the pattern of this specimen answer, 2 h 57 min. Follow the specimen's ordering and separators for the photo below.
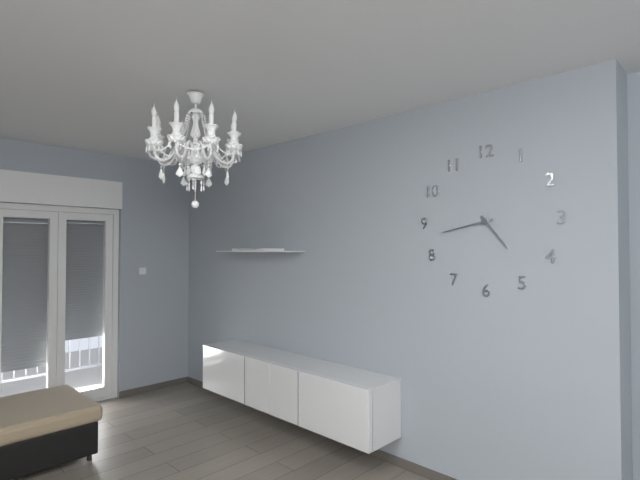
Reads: 4 h 43 min
